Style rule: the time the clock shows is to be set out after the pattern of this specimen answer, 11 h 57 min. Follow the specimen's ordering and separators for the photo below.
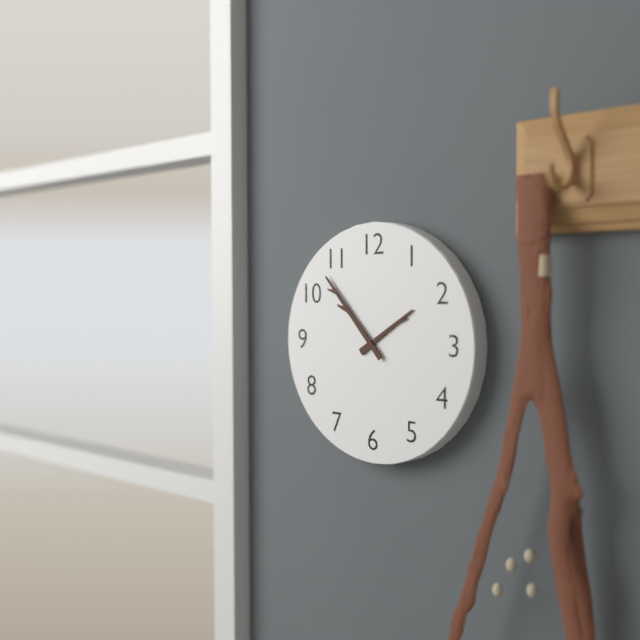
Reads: 1 h 53 min
